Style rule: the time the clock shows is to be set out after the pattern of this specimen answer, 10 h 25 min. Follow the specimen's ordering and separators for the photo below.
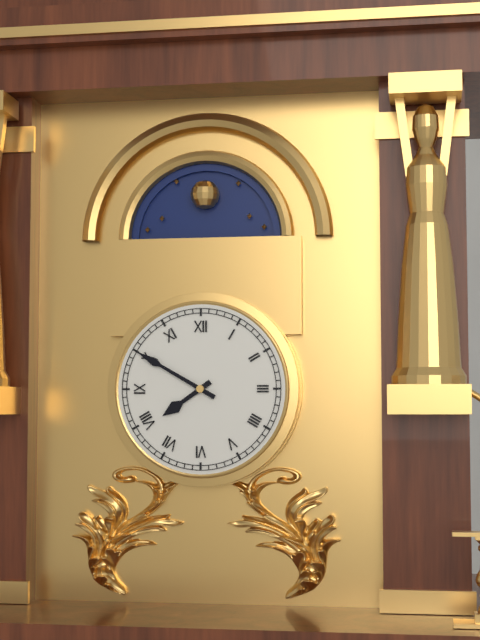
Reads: 7 h 50 min
